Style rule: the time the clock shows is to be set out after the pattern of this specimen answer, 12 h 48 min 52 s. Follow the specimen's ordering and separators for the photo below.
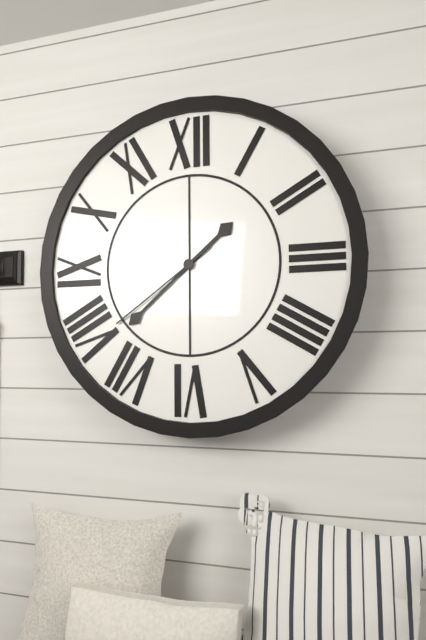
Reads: 1 h 38 min 39 s
